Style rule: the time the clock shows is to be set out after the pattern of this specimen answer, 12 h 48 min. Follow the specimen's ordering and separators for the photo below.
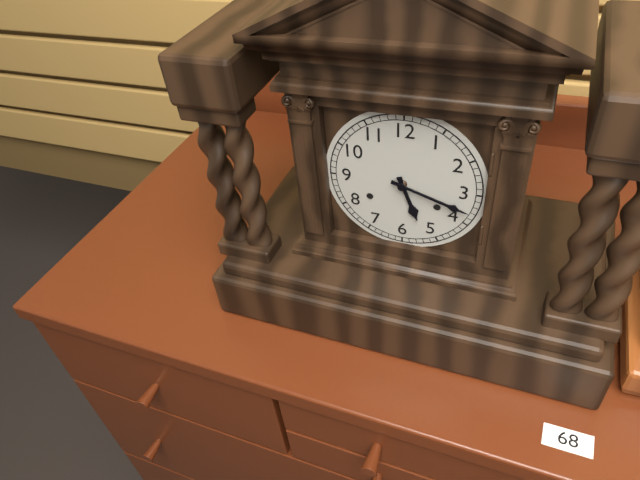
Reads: 5 h 18 min
